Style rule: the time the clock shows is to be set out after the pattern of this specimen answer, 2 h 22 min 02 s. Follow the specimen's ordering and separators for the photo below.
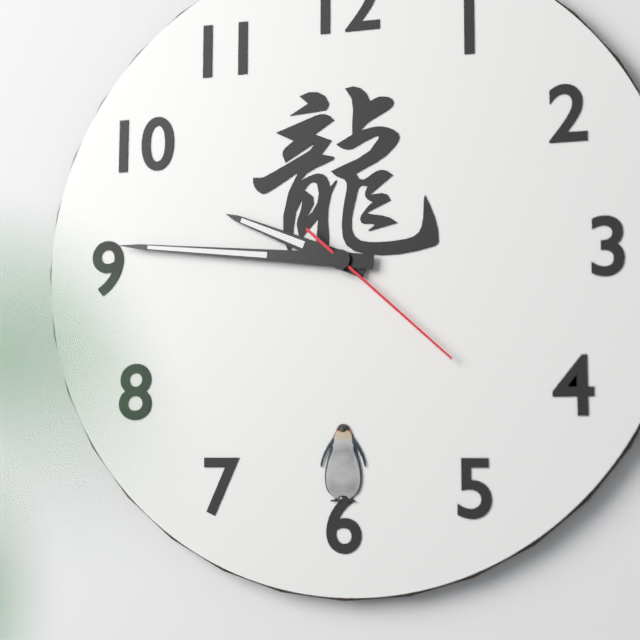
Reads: 9 h 46 min 22 s
